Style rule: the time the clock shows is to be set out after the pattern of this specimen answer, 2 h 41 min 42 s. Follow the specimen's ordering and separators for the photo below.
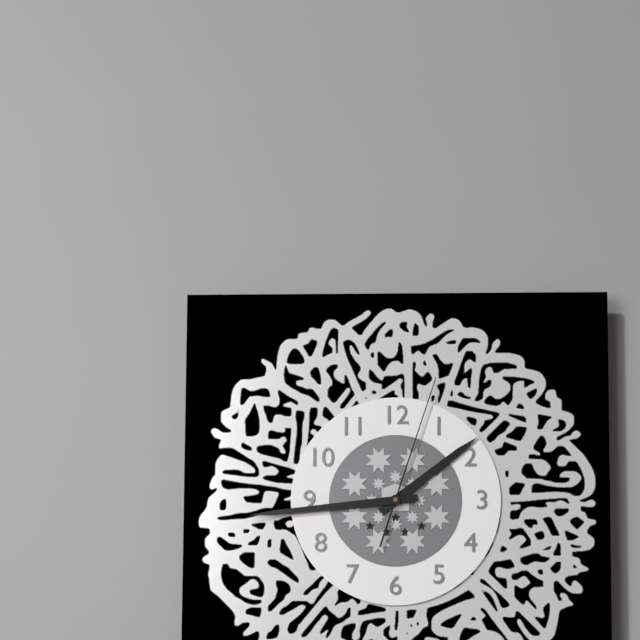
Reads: 1 h 44 min 03 s
